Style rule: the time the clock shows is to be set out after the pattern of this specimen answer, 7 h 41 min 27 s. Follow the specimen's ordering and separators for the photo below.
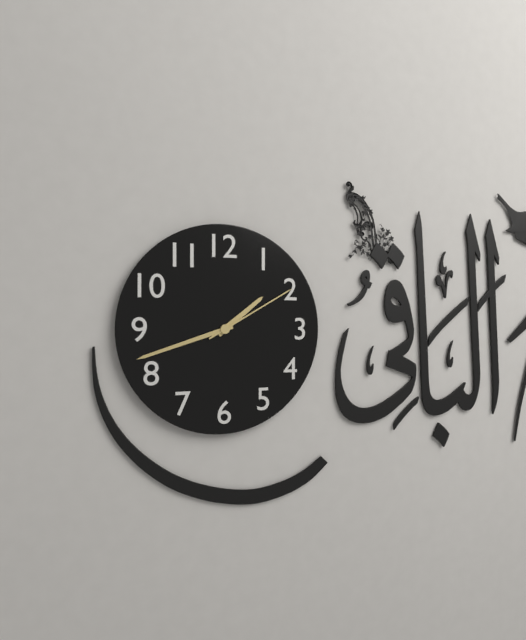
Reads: 1 h 42 min 10 s
